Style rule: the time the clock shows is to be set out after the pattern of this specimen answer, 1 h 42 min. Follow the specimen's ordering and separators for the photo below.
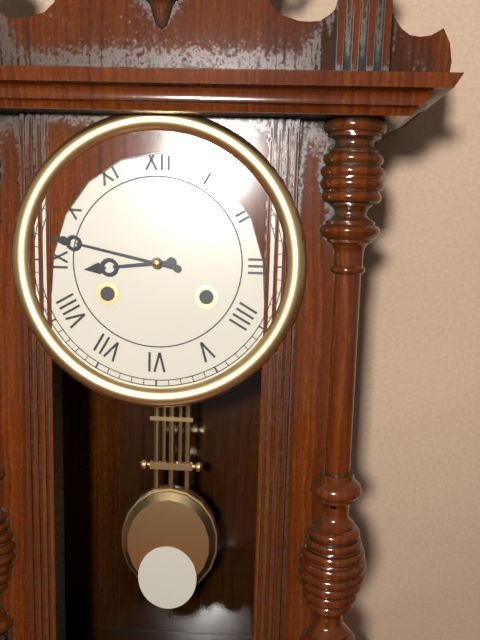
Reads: 8 h 47 min
